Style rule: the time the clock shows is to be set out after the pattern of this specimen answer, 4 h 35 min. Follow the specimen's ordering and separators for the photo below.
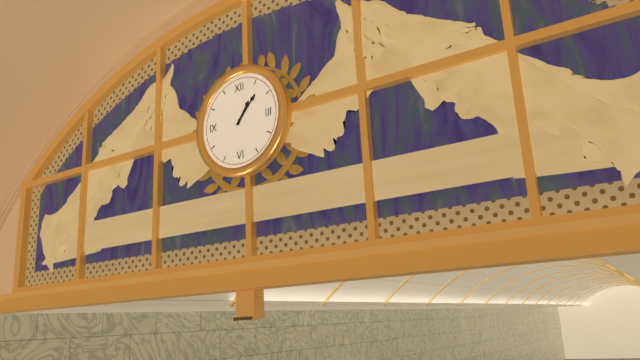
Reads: 1 h 07 min
